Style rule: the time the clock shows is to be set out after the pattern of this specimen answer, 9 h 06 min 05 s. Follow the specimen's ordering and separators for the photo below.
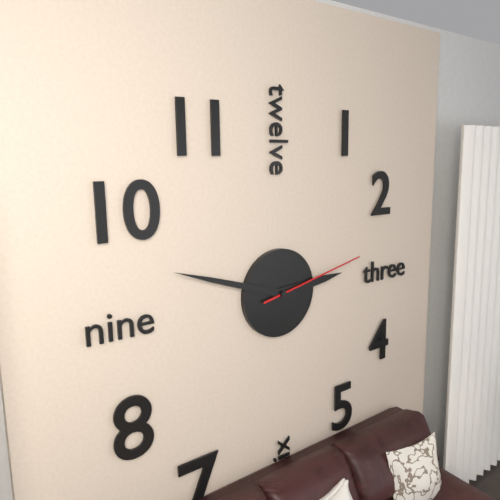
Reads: 2 h 48 min 13 s
